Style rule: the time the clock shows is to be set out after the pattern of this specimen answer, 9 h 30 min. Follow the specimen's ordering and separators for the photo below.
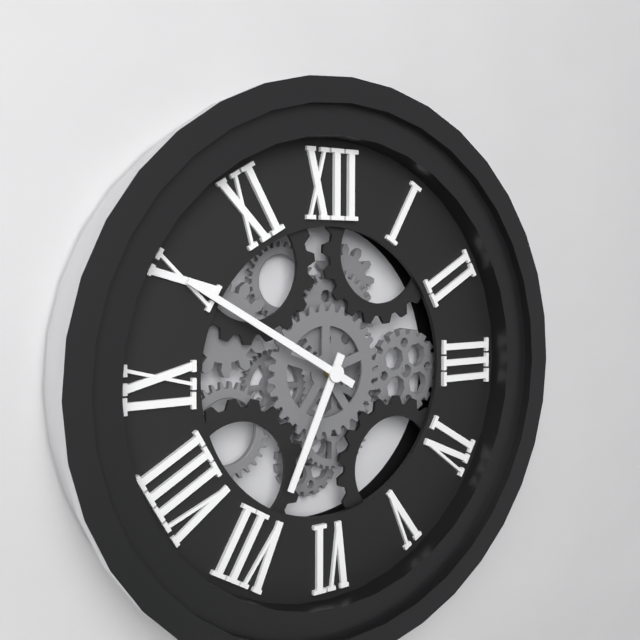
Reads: 6 h 50 min
